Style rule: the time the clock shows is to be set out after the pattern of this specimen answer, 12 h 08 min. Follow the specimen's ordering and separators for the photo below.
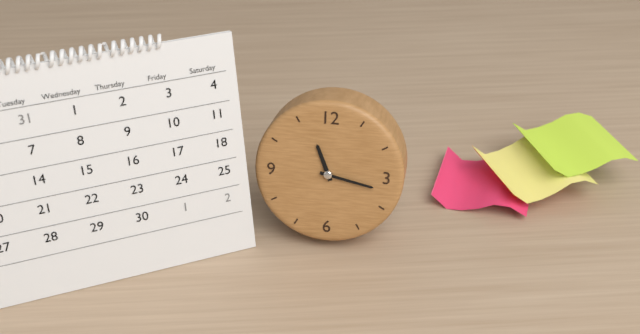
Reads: 11 h 17 min
